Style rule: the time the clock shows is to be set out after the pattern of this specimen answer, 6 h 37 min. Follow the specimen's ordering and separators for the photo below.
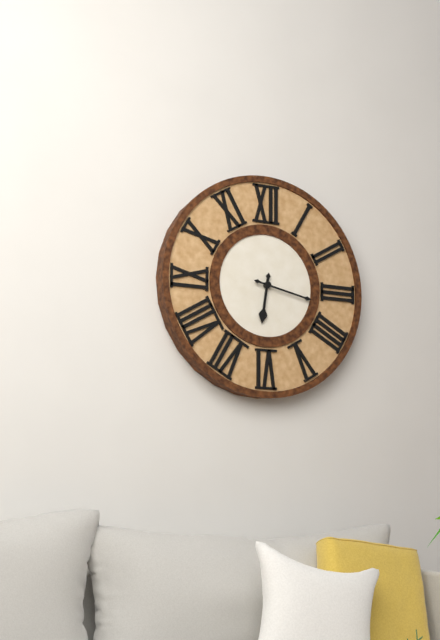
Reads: 6 h 17 min
